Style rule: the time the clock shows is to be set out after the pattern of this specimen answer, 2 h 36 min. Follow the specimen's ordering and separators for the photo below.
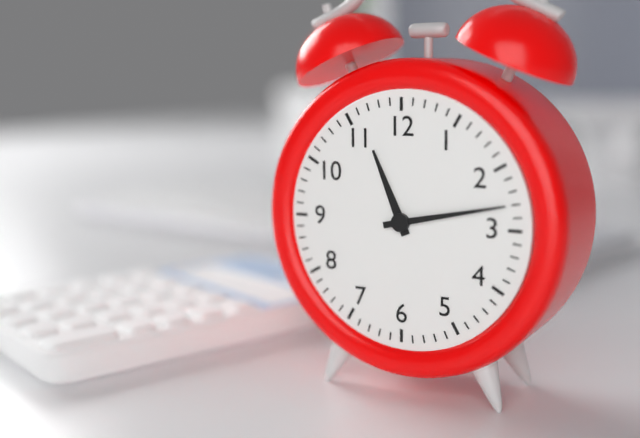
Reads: 11 h 13 min
